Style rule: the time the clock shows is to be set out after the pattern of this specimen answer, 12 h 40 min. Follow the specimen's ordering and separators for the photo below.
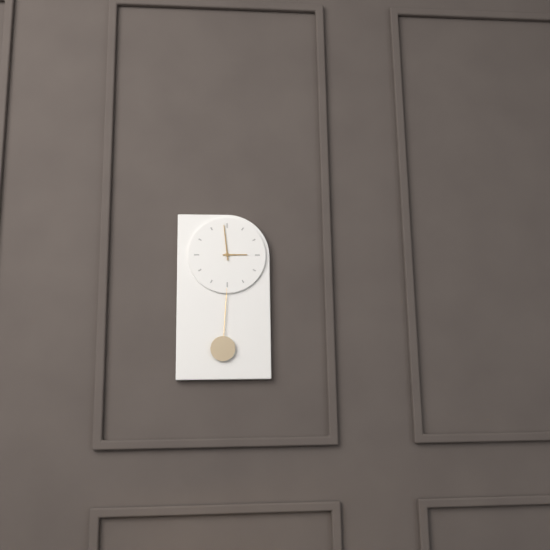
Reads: 2 h 59 min
